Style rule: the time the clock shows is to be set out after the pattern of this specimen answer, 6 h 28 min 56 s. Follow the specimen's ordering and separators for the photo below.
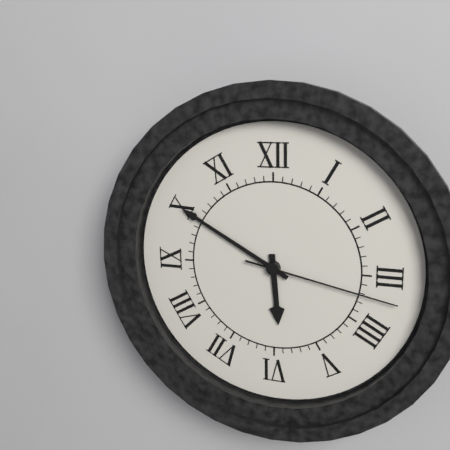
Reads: 5 h 50 min 17 s
